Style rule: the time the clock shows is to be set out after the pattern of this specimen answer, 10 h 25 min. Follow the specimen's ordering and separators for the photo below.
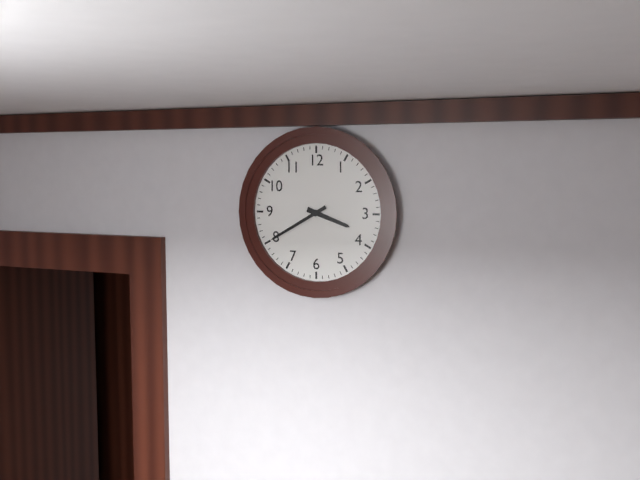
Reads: 3 h 40 min
